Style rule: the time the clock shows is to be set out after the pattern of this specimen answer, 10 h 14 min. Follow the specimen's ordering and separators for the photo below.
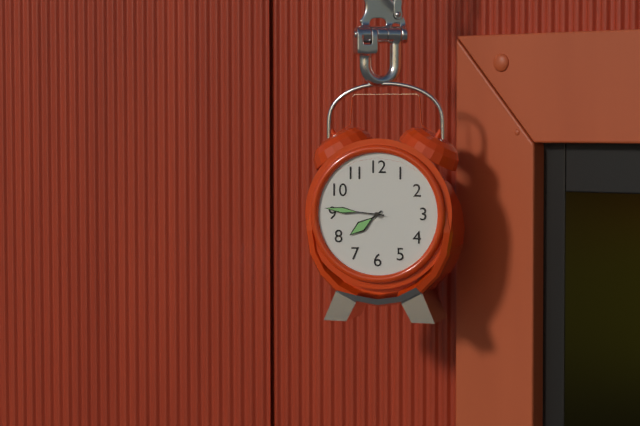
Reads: 7 h 46 min
